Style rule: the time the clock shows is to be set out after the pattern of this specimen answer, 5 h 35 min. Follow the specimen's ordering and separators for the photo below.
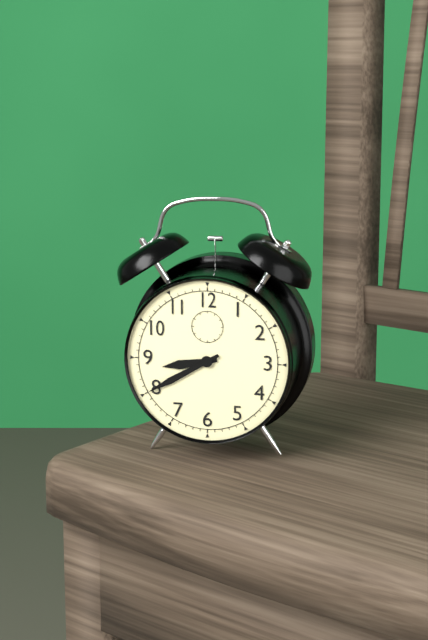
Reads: 8 h 40 min
